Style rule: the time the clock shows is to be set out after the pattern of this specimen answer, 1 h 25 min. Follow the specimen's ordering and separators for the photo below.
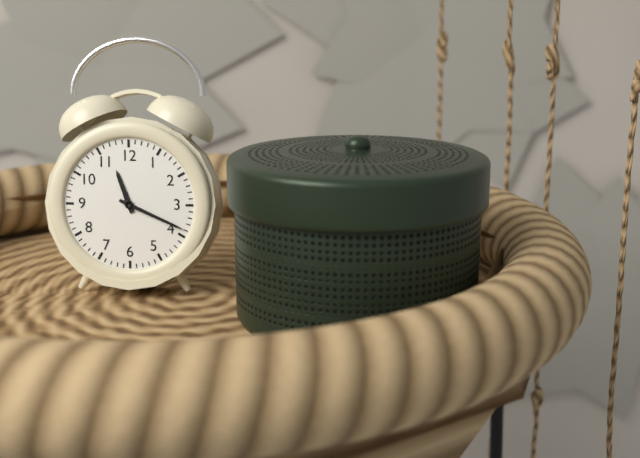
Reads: 11 h 19 min
